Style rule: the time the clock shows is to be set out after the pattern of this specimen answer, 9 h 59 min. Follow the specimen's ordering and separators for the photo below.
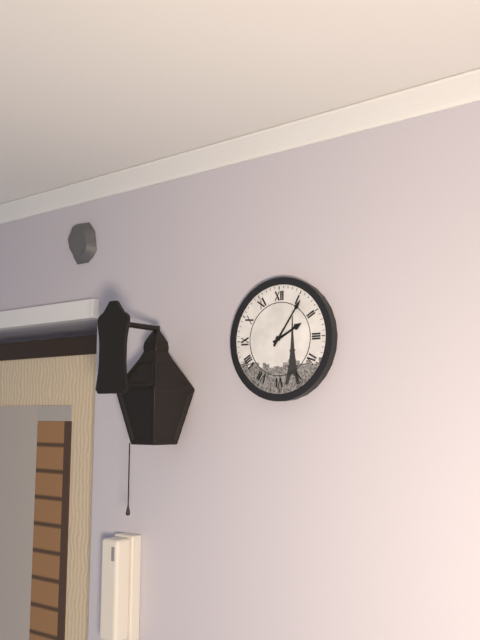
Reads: 2 h 06 min
